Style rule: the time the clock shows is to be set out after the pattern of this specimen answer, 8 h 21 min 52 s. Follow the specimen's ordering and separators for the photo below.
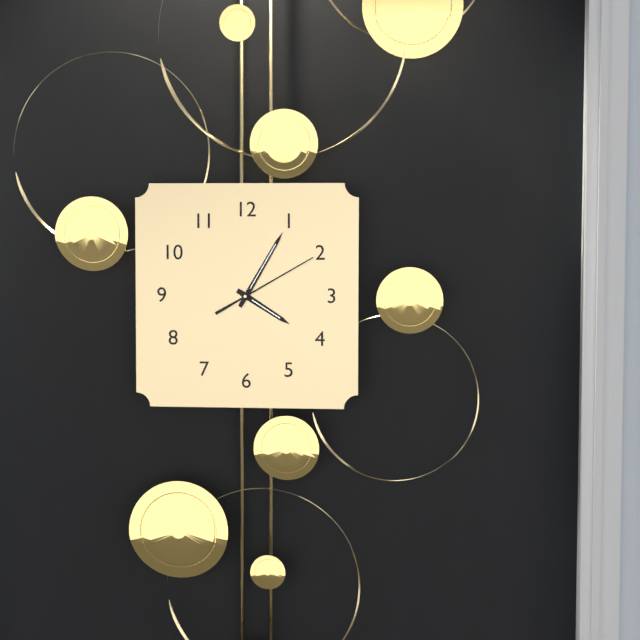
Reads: 4 h 05 min 10 s
